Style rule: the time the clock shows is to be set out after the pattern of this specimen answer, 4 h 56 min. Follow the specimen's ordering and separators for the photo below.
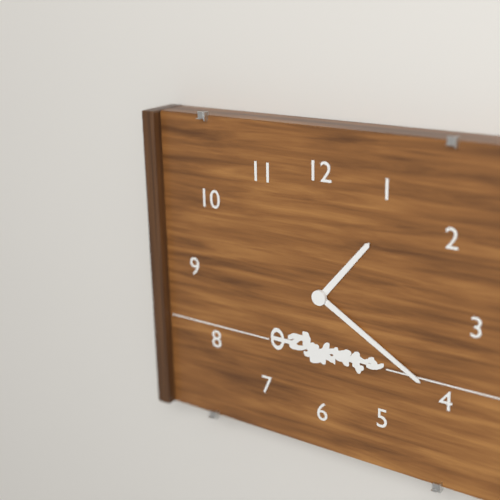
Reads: 1 h 20 min
